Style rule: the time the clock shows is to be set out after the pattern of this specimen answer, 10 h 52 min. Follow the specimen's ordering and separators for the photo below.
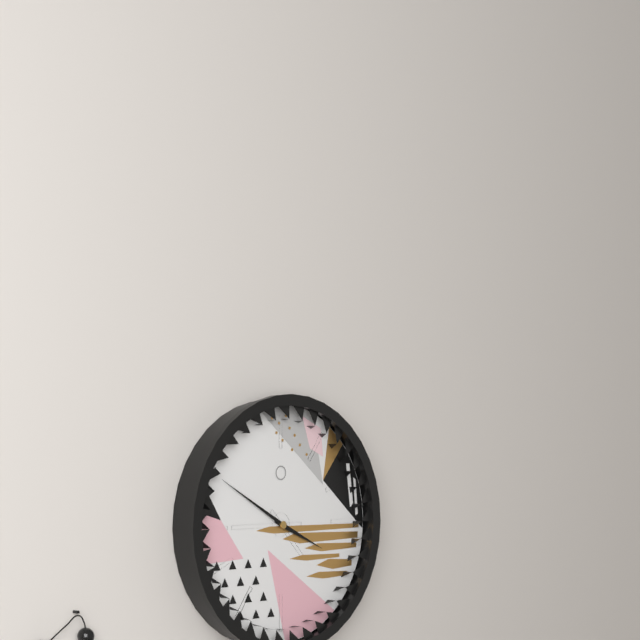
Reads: 3 h 50 min
